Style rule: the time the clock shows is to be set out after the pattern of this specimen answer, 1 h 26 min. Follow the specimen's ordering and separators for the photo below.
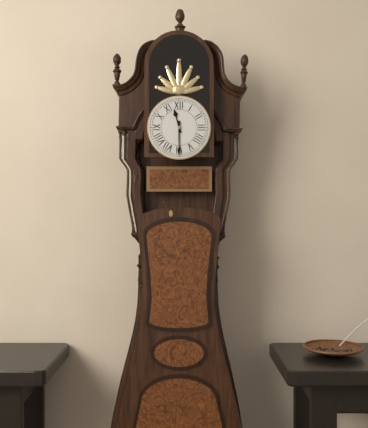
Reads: 11 h 30 min
